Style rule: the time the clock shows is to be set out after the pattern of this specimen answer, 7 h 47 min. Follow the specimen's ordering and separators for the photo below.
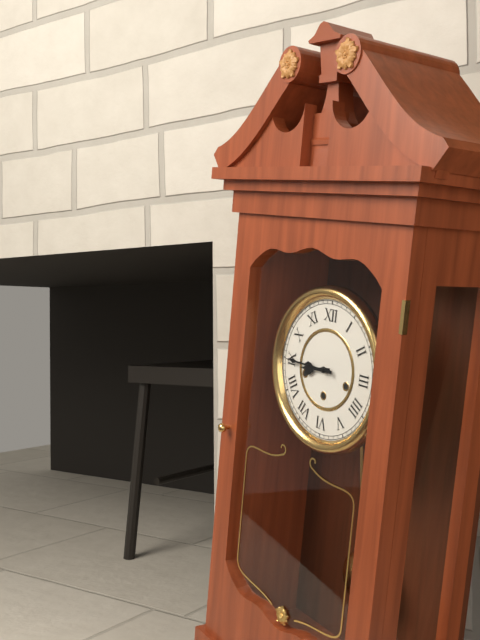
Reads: 8 h 45 min
